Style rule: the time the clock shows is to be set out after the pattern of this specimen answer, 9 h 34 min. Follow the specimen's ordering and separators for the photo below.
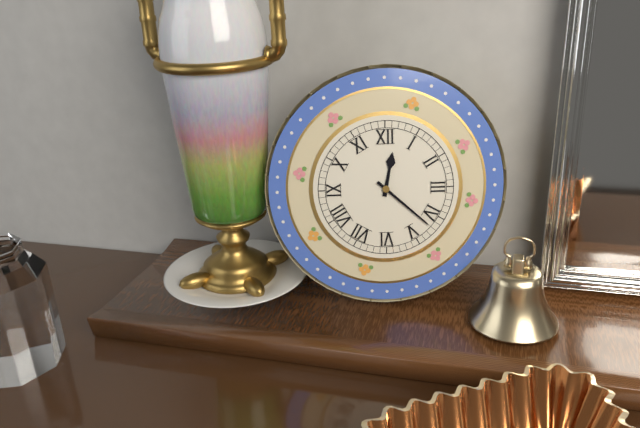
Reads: 12 h 22 min
